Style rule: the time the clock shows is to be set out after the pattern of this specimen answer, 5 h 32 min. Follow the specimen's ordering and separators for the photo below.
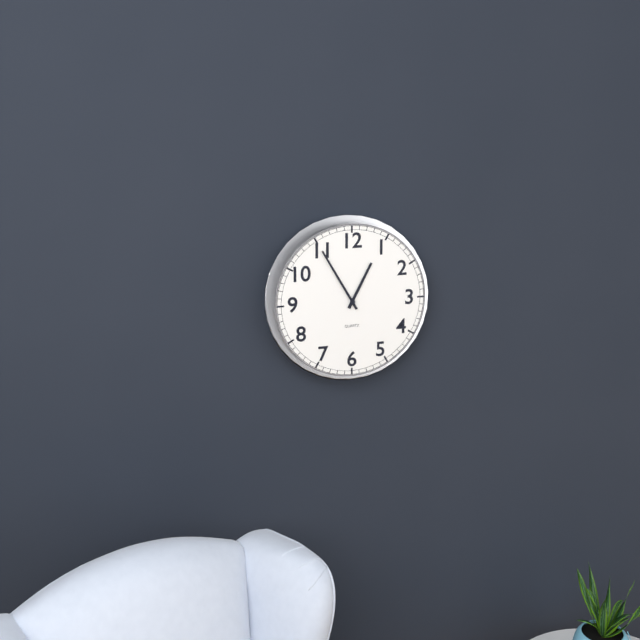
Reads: 12 h 55 min
